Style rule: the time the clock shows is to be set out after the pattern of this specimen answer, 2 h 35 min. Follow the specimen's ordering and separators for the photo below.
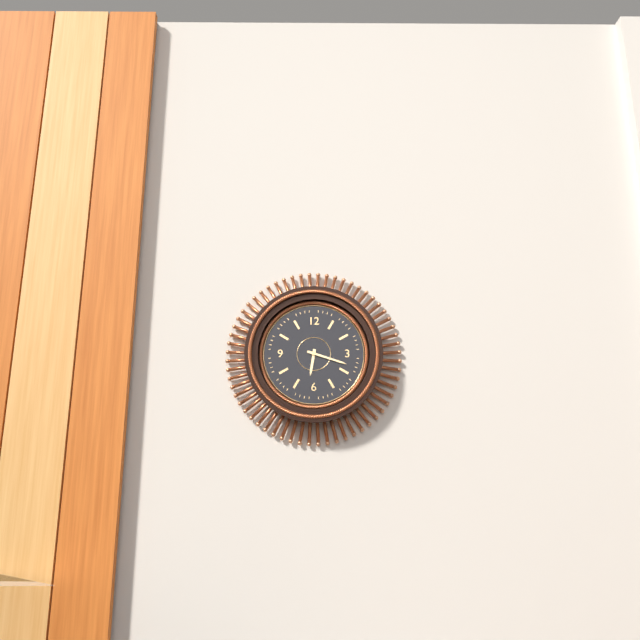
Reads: 6 h 18 min
